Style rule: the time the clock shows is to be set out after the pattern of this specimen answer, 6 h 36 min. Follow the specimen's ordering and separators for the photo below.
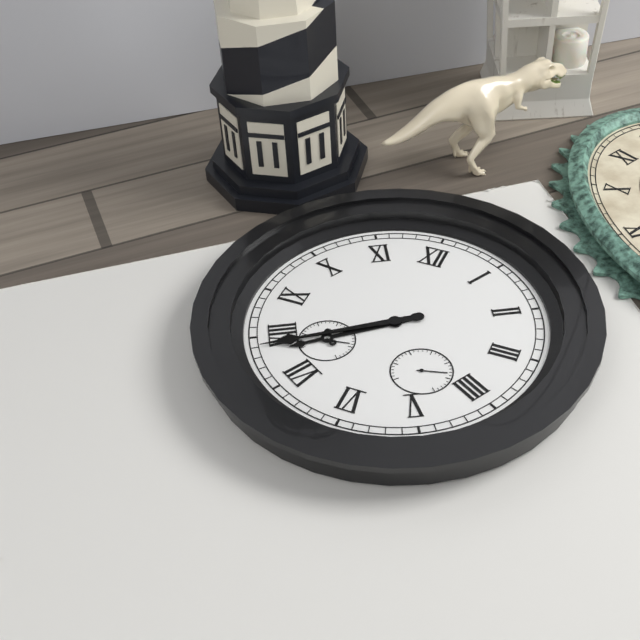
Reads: 7 h 39 min
